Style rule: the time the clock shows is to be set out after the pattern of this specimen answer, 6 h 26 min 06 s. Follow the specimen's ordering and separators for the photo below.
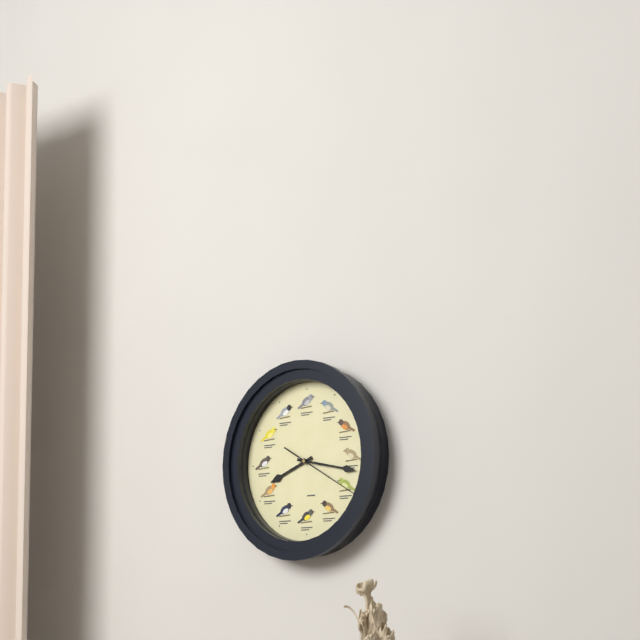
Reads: 8 h 17 min 20 s
